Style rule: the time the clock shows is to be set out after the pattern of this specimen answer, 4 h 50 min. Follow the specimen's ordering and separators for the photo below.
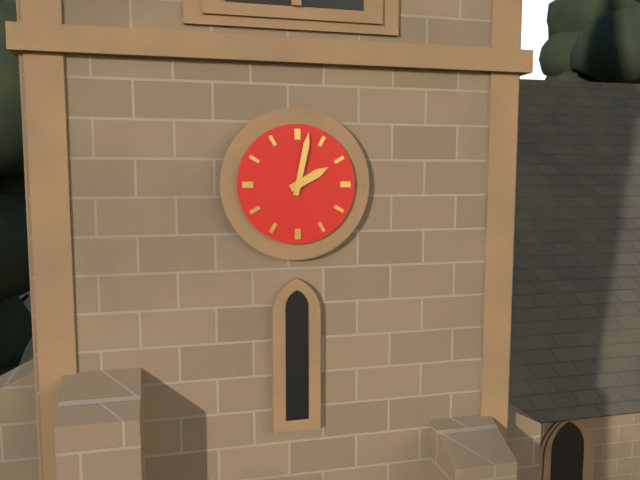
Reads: 2 h 02 min
